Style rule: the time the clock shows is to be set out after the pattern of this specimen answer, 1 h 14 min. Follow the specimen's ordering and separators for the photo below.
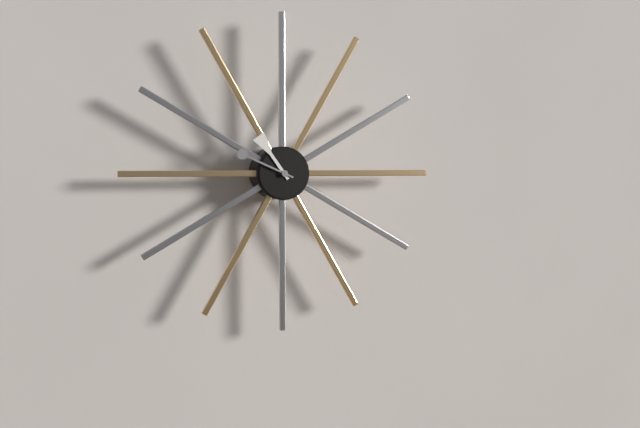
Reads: 10 h 49 min
